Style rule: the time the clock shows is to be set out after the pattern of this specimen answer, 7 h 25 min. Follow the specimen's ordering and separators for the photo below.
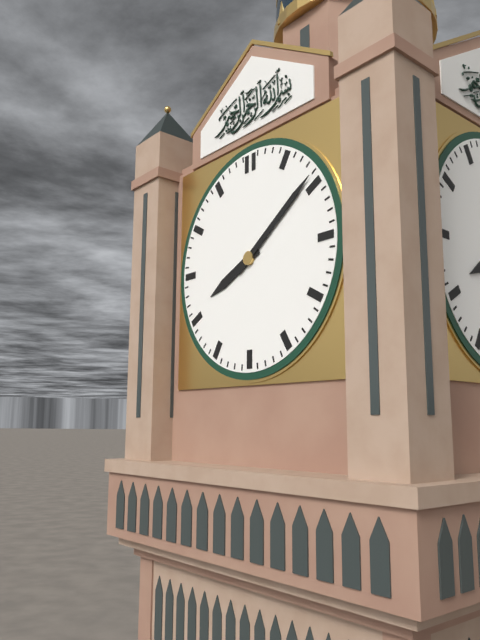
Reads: 8 h 09 min
